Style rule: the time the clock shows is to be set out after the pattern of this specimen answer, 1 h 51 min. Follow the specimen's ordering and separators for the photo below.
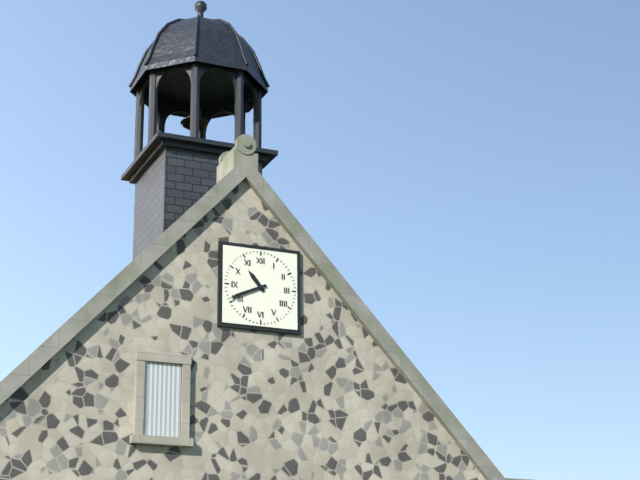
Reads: 10 h 41 min
